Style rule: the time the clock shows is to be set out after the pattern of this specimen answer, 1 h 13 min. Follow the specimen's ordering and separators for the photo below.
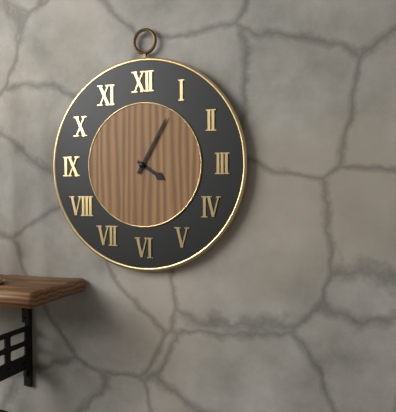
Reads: 4 h 05 min
